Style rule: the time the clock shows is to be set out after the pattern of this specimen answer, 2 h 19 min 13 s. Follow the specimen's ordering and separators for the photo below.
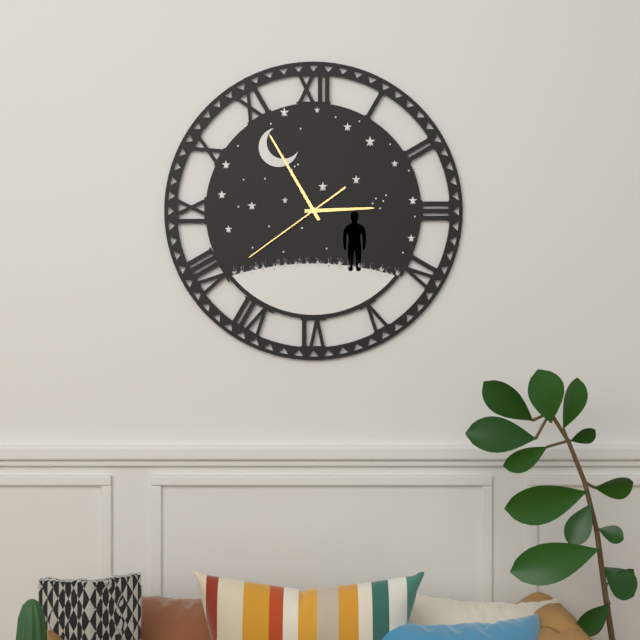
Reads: 2 h 55 min 39 s
